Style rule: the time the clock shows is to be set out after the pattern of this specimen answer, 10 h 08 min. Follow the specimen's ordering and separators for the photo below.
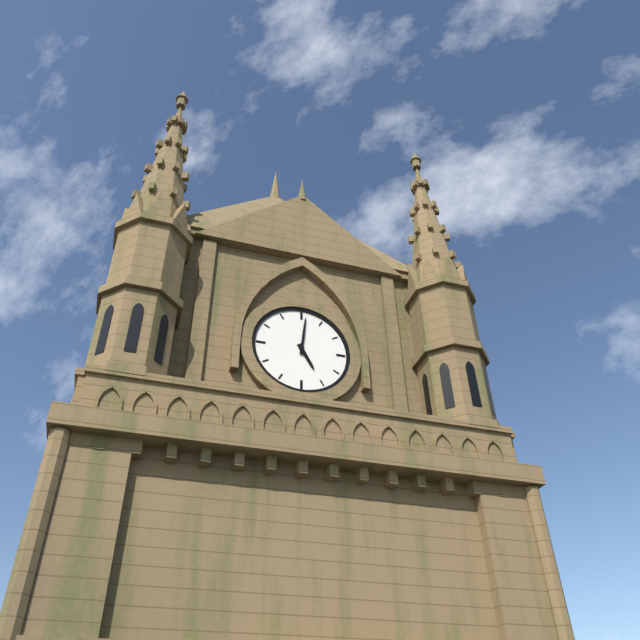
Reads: 5 h 01 min
